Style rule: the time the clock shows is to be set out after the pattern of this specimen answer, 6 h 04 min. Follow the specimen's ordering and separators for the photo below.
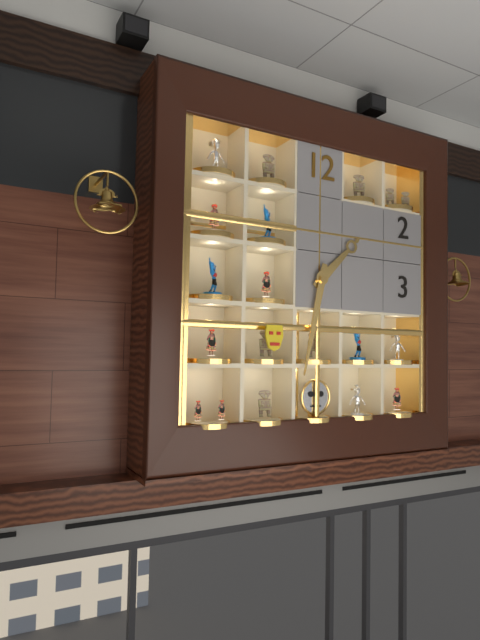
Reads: 1 h 32 min
